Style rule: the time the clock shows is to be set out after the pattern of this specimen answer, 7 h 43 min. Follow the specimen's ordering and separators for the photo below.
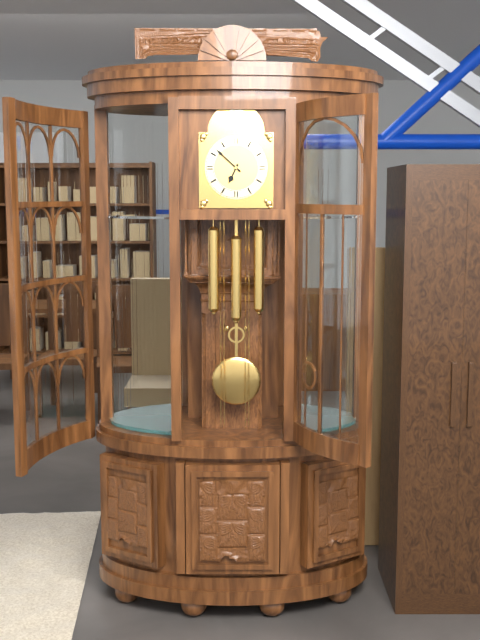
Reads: 6 h 52 min
